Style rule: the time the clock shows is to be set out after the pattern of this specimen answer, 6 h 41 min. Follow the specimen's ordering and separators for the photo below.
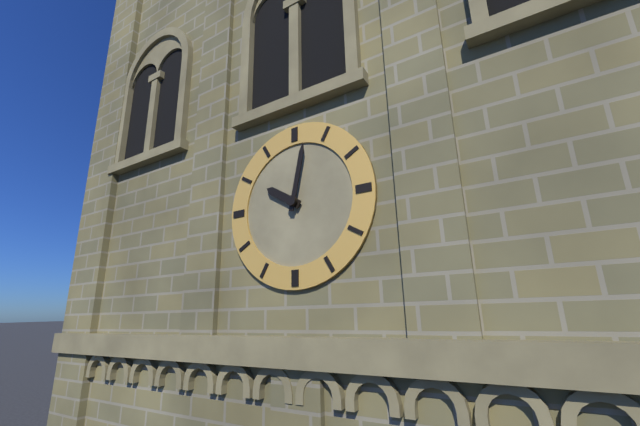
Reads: 10 h 02 min
